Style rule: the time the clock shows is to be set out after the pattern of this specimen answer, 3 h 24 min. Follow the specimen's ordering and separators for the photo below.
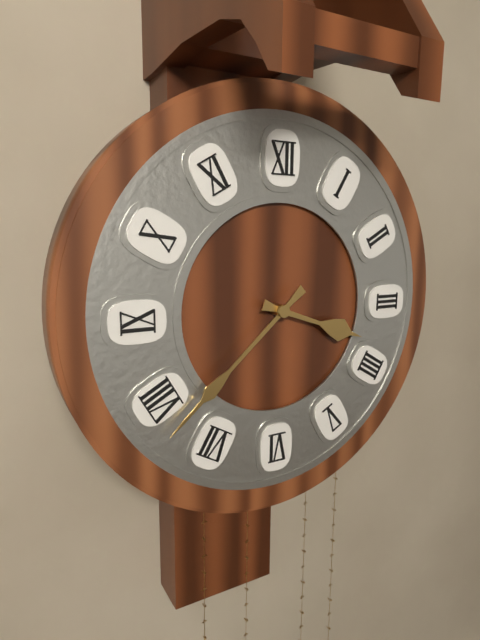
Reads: 3 h 38 min
